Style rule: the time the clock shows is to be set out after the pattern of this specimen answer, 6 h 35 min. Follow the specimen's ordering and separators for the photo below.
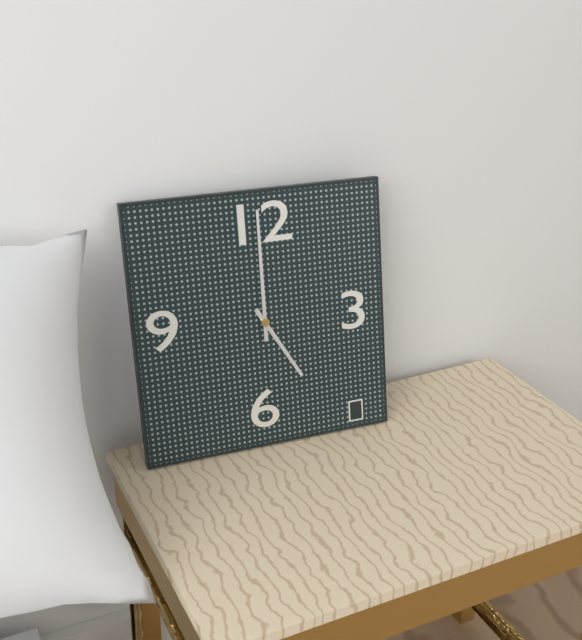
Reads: 5 h 00 min
